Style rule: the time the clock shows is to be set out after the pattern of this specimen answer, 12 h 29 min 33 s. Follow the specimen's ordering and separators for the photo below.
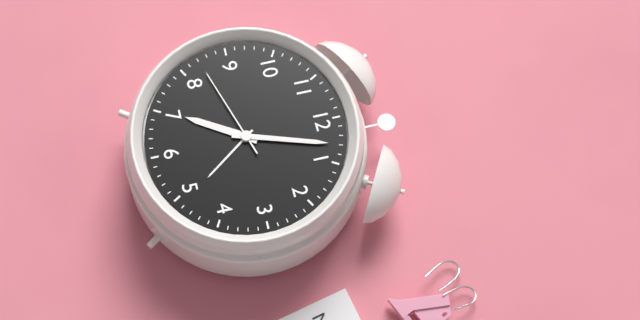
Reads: 7 h 03 min 42 s
